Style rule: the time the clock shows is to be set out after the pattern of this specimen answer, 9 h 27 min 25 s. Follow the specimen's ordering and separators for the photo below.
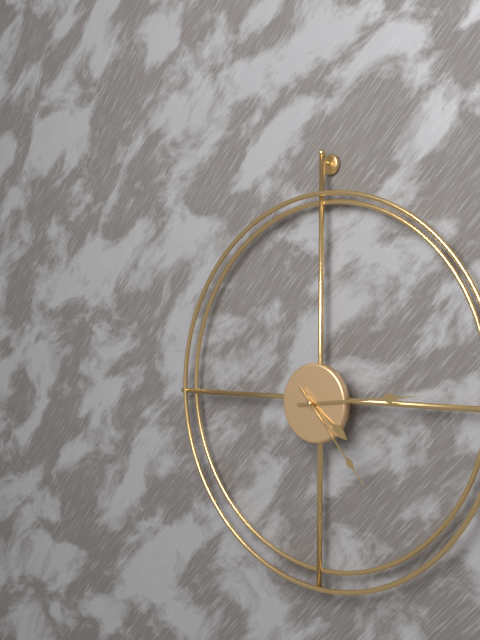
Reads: 4 h 14 min 23 s
